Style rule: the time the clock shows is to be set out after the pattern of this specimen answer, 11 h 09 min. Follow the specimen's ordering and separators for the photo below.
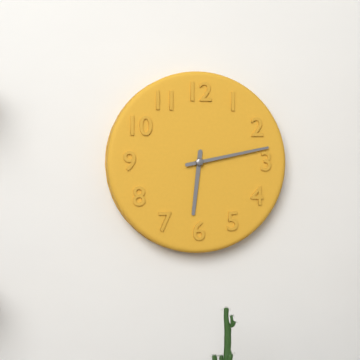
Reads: 6 h 13 min
